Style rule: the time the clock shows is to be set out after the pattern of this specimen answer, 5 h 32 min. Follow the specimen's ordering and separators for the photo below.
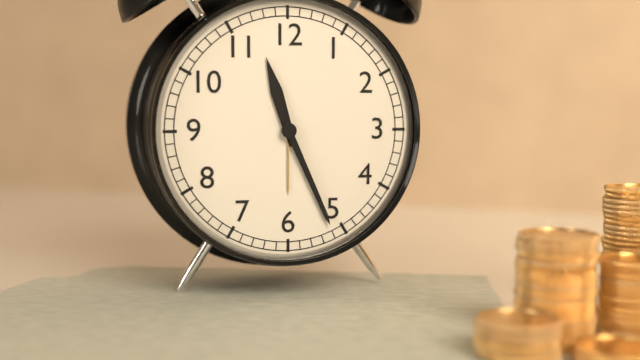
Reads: 11 h 26 min
